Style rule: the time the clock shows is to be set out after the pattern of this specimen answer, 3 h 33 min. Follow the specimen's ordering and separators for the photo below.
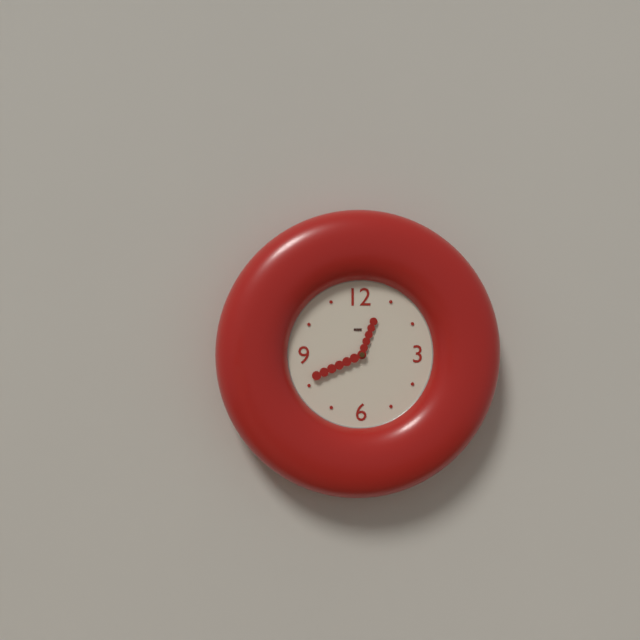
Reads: 12 h 41 min
